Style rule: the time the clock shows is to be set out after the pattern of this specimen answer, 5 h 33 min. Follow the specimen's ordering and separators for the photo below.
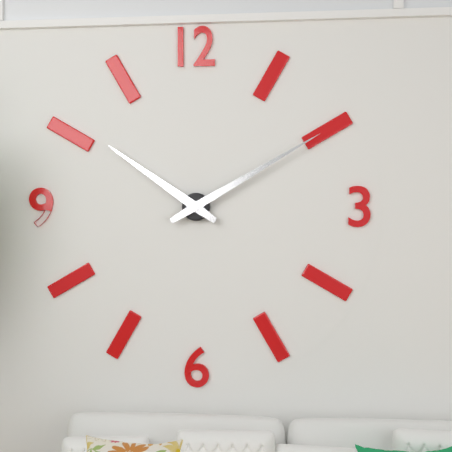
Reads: 10 h 10 min
